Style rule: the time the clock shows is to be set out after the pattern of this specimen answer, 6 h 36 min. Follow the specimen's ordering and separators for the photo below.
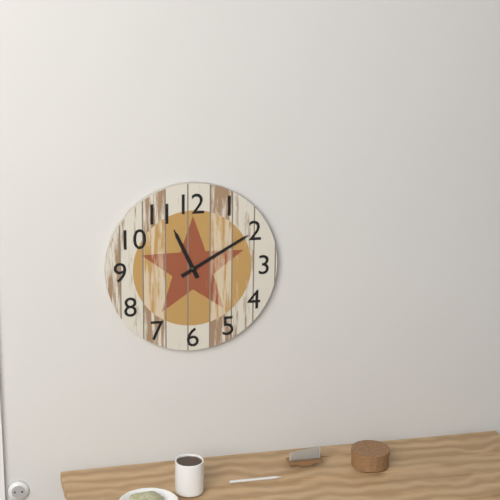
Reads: 11 h 10 min
